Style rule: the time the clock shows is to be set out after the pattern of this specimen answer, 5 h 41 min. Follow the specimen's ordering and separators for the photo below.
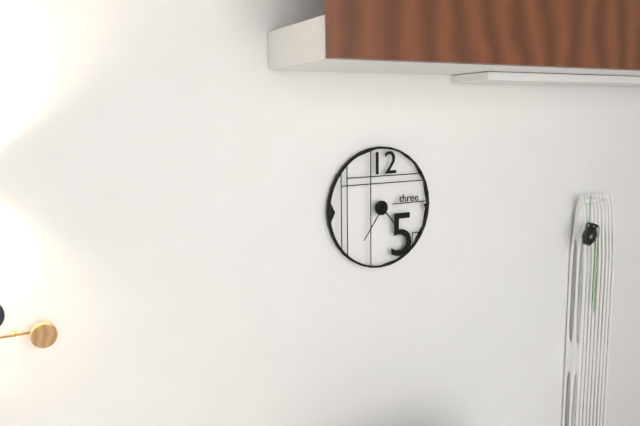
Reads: 4 h 36 min
